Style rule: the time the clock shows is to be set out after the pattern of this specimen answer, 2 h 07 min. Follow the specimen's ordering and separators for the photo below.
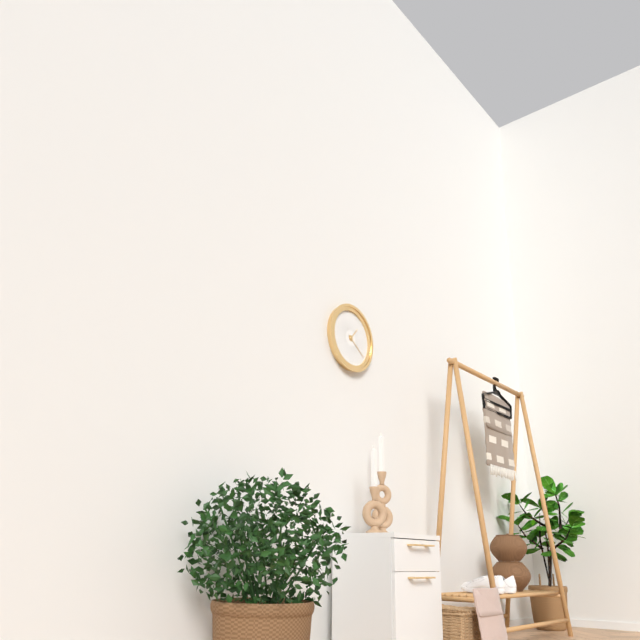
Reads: 1 h 21 min
